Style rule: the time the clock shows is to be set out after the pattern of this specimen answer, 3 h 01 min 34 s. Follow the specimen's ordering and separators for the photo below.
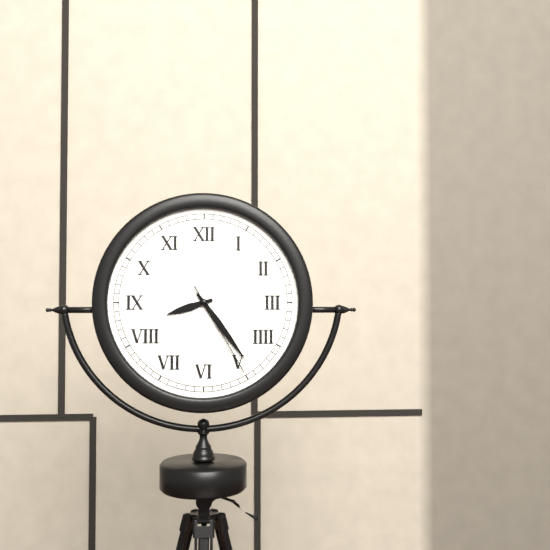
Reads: 8 h 24 min 25 s
